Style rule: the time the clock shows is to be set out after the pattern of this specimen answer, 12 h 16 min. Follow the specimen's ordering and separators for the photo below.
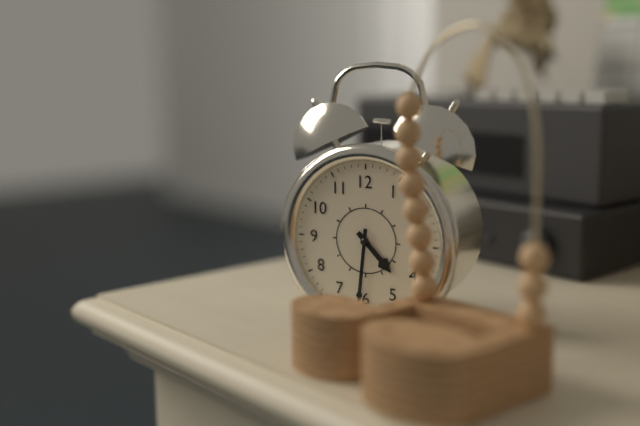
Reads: 4 h 31 min
